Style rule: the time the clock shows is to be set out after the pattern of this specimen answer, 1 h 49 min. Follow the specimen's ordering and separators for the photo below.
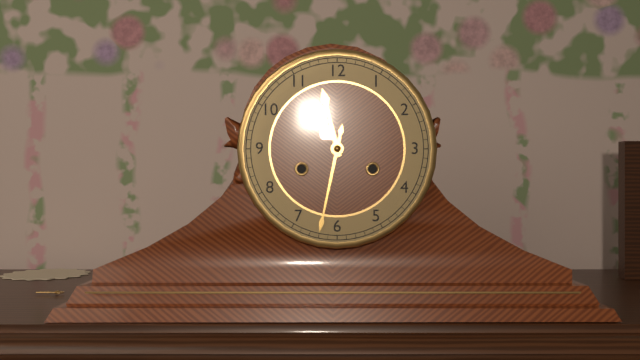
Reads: 11 h 32 min
